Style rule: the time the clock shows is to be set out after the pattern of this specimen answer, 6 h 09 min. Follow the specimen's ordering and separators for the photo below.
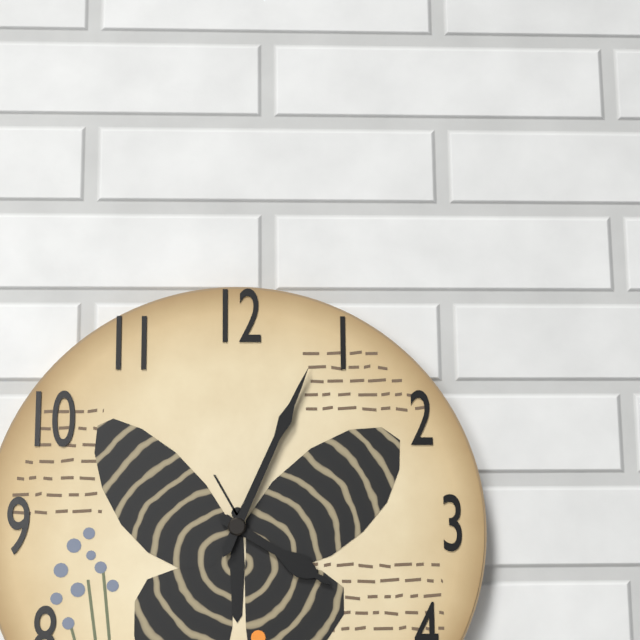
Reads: 4 h 04 min
